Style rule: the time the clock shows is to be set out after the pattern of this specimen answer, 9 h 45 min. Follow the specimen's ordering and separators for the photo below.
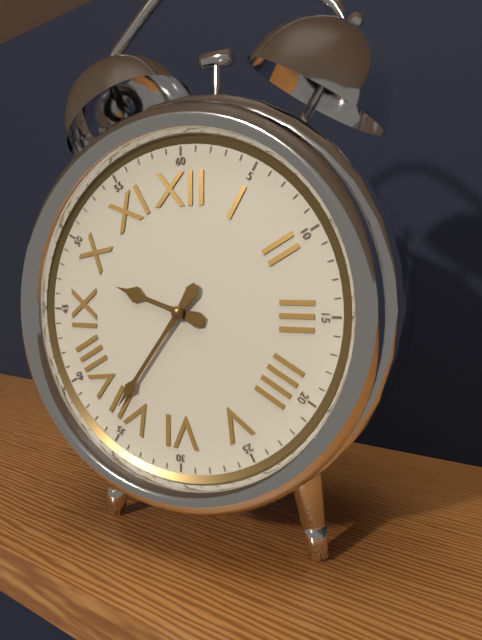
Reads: 9 h 36 min
